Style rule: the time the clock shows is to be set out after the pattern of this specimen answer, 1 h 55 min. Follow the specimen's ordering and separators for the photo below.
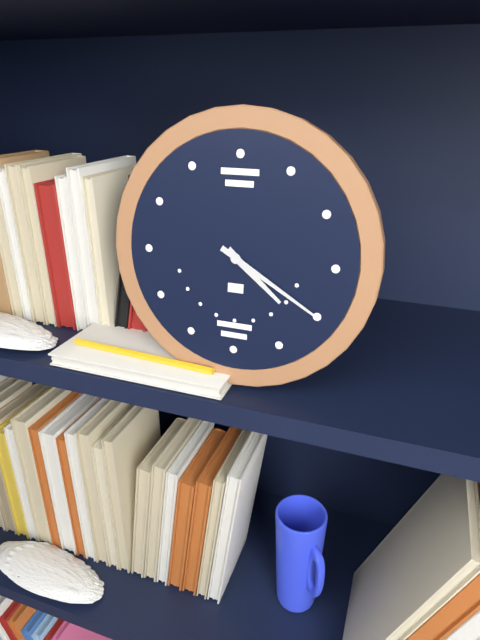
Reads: 4 h 20 min
